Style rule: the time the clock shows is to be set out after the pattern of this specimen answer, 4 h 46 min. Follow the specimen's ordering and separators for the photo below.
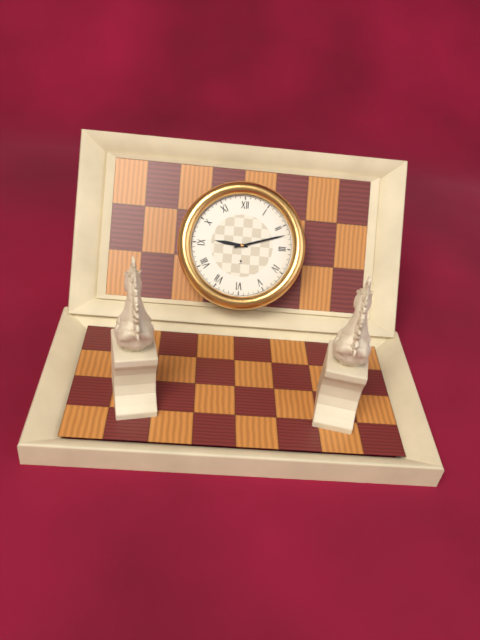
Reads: 9 h 12 min
